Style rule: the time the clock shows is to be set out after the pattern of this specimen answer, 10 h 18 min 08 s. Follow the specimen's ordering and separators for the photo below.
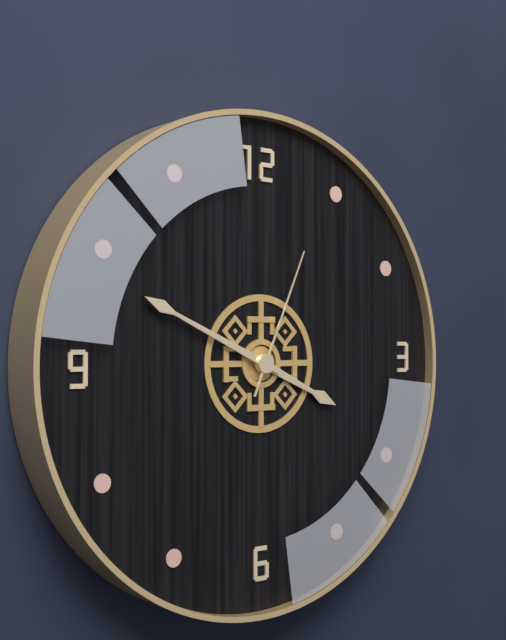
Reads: 3 h 49 min 04 s
